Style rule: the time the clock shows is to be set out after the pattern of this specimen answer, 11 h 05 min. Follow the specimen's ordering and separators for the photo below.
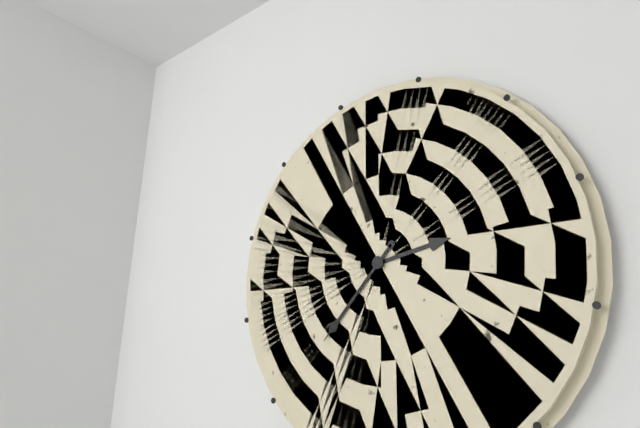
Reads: 2 h 37 min
